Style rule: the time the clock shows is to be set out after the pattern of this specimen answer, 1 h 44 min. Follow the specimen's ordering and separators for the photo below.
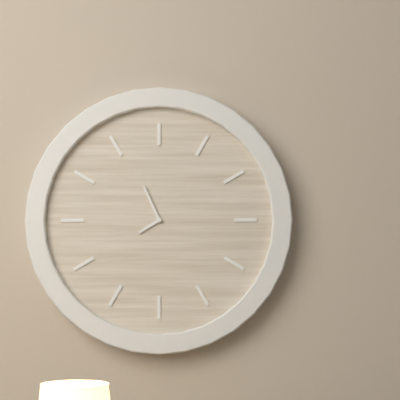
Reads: 7 h 56 min
